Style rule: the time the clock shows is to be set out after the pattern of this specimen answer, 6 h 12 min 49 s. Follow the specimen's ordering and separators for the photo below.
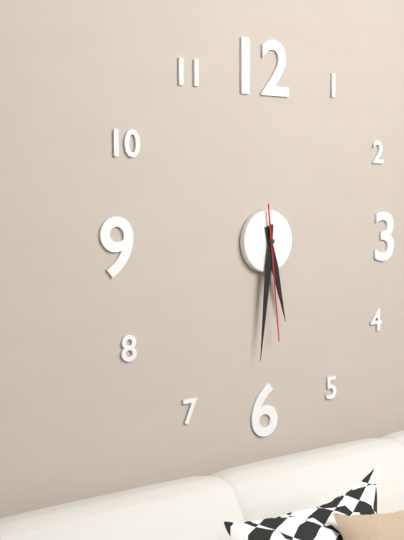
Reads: 5 h 31 min 29 s
